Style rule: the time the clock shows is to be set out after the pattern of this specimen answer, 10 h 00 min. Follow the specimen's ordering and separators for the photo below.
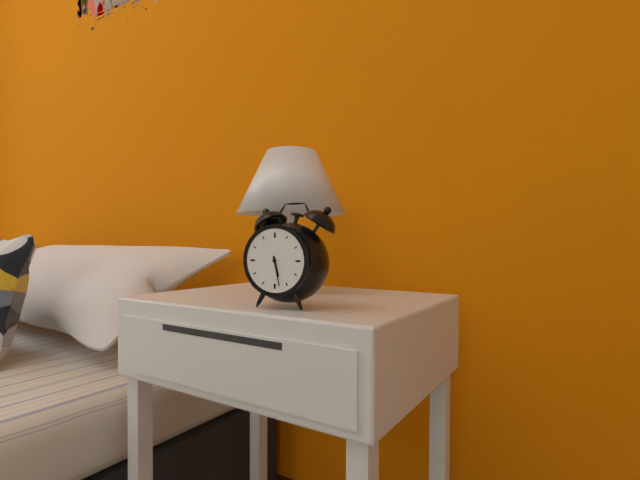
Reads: 5 h 28 min
